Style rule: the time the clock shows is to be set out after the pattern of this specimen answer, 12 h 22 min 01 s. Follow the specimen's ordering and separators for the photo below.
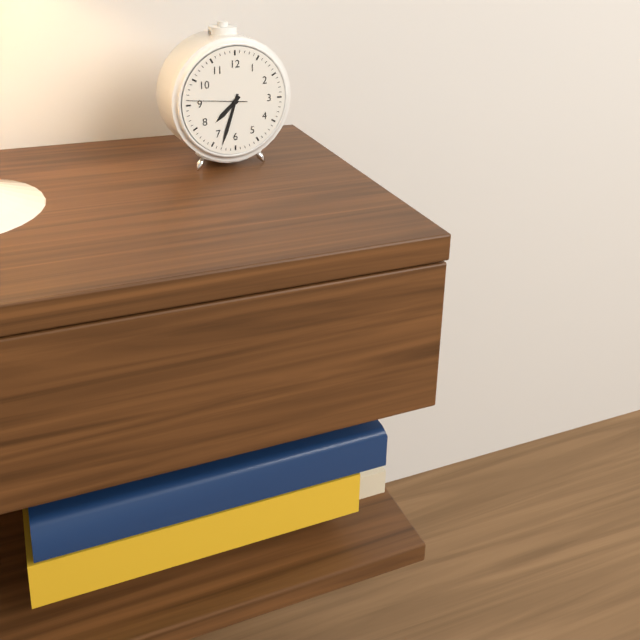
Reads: 7 h 33 min 46 s
